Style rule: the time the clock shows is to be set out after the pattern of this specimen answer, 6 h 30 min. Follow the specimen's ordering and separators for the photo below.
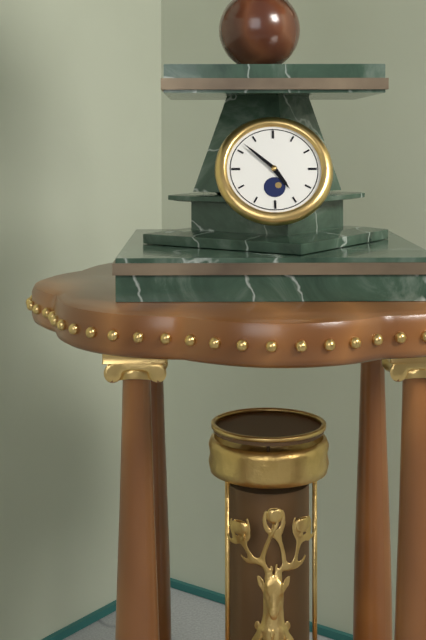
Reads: 4 h 52 min
